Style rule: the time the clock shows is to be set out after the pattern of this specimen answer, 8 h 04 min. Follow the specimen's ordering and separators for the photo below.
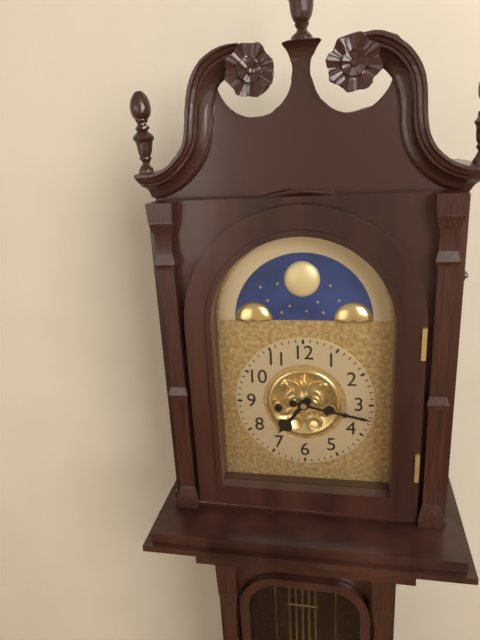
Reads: 7 h 17 min
